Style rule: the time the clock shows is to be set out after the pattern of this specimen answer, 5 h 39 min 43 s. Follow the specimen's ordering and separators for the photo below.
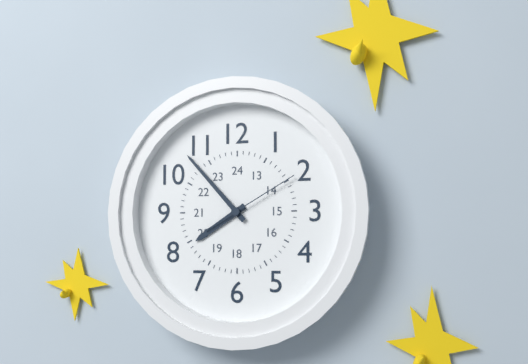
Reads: 7 h 53 min 10 s
